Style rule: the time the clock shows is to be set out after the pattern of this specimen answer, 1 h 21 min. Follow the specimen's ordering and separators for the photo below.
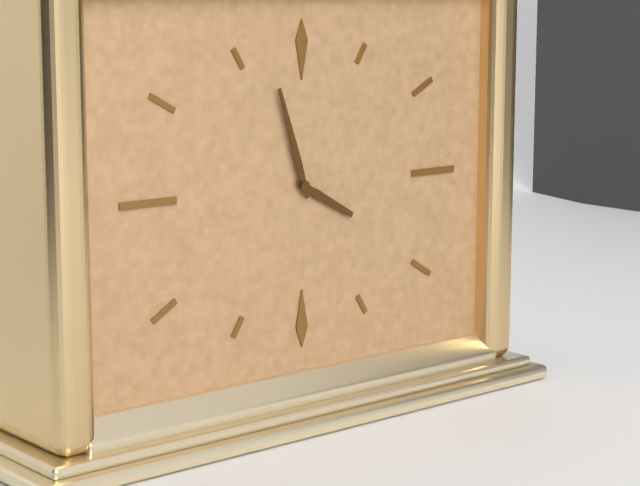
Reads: 3 h 57 min
